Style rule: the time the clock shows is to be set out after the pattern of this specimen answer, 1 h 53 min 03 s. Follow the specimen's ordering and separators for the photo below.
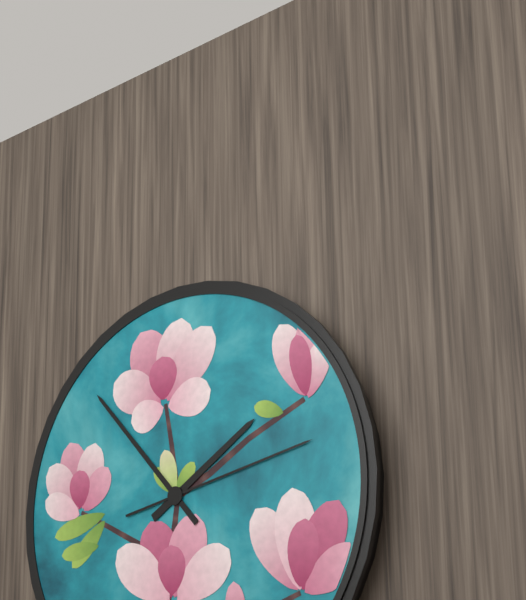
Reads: 1 h 53 min 13 s
